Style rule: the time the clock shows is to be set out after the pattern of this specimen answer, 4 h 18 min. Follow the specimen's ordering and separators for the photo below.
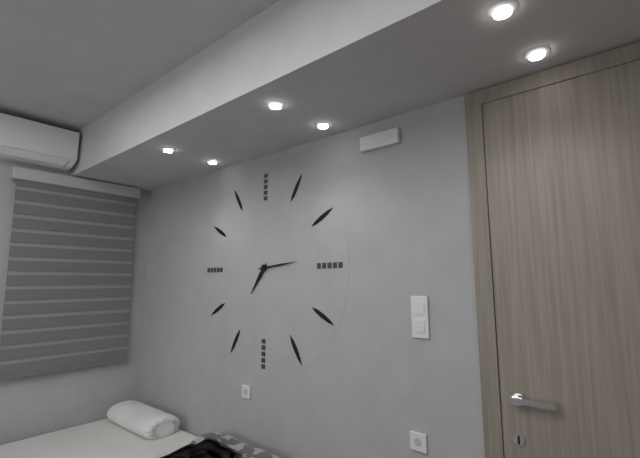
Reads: 7 h 14 min
